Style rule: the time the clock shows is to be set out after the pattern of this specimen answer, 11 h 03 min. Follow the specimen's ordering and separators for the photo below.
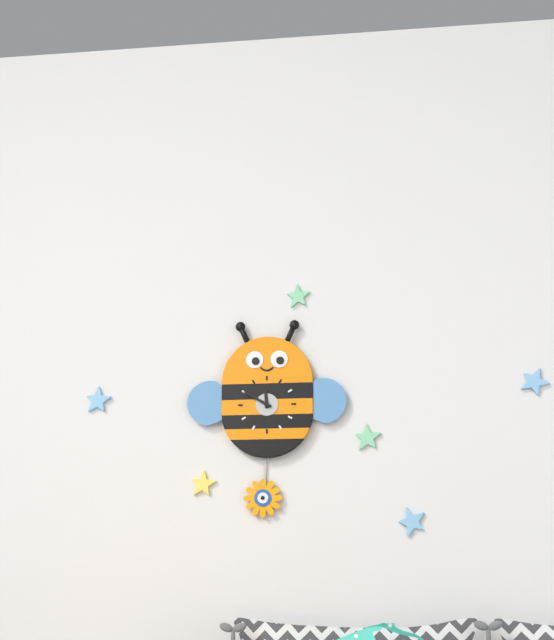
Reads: 11 h 50 min
